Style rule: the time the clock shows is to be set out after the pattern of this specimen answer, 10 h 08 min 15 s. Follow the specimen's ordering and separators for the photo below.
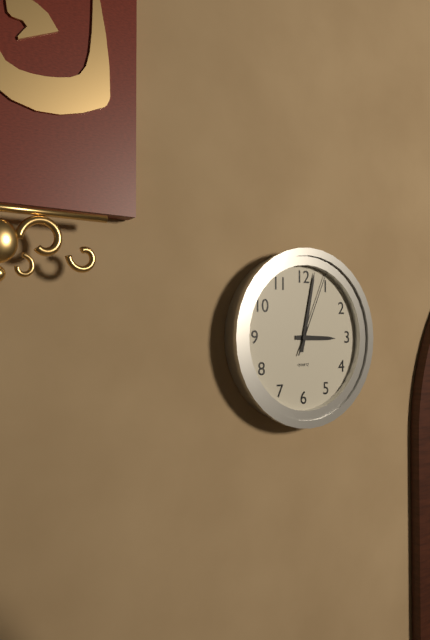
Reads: 3 h 02 min 04 s
